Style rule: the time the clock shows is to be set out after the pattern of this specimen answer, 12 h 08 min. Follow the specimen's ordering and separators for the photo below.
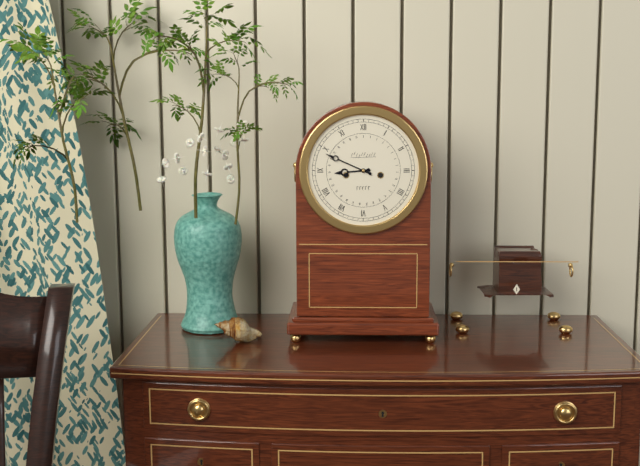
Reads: 8 h 49 min
